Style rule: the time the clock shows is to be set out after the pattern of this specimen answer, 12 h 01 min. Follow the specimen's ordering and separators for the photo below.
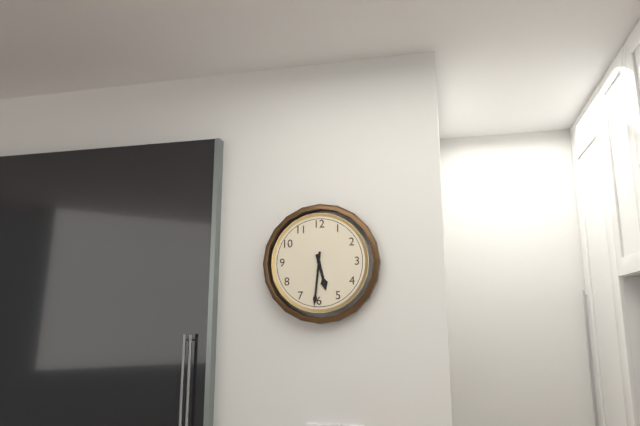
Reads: 5 h 31 min
